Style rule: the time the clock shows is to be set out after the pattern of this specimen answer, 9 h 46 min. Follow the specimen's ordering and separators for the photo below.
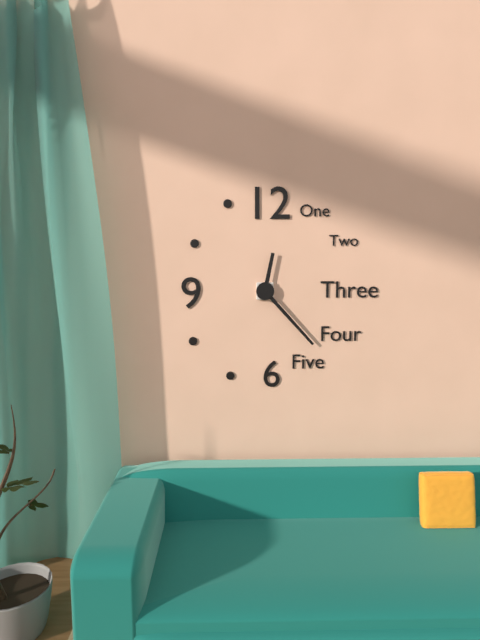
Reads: 12 h 23 min
